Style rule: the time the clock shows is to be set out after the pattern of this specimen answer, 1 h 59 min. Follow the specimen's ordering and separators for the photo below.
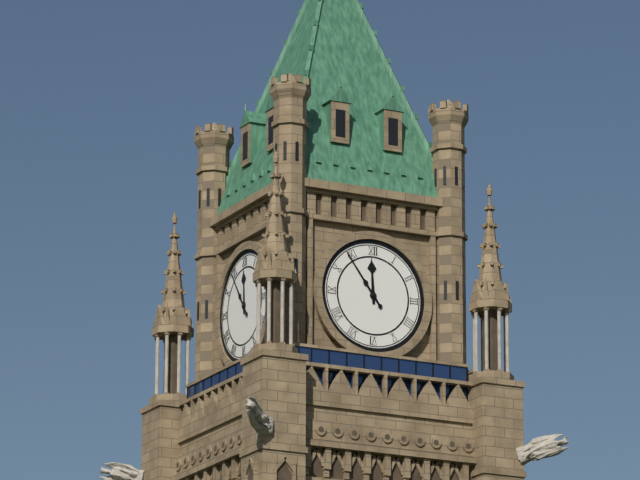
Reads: 11 h 54 min
